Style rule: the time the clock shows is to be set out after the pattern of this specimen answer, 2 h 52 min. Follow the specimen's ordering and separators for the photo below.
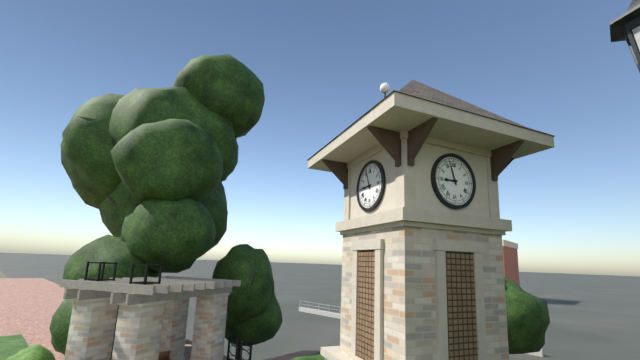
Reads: 8 h 57 min
